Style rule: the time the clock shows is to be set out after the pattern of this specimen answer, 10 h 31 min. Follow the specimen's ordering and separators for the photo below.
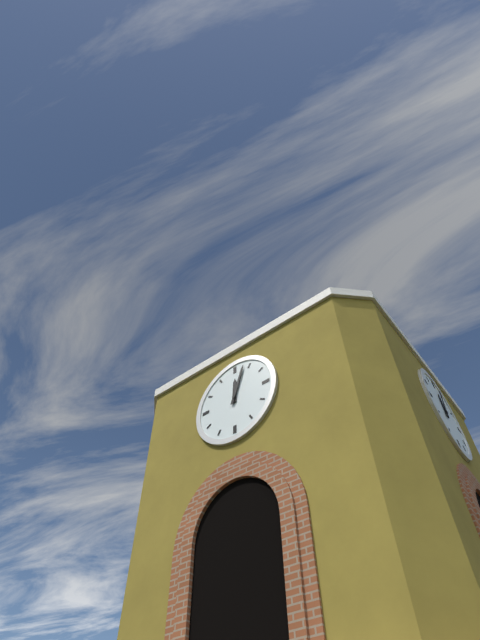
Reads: 12 h 03 min
